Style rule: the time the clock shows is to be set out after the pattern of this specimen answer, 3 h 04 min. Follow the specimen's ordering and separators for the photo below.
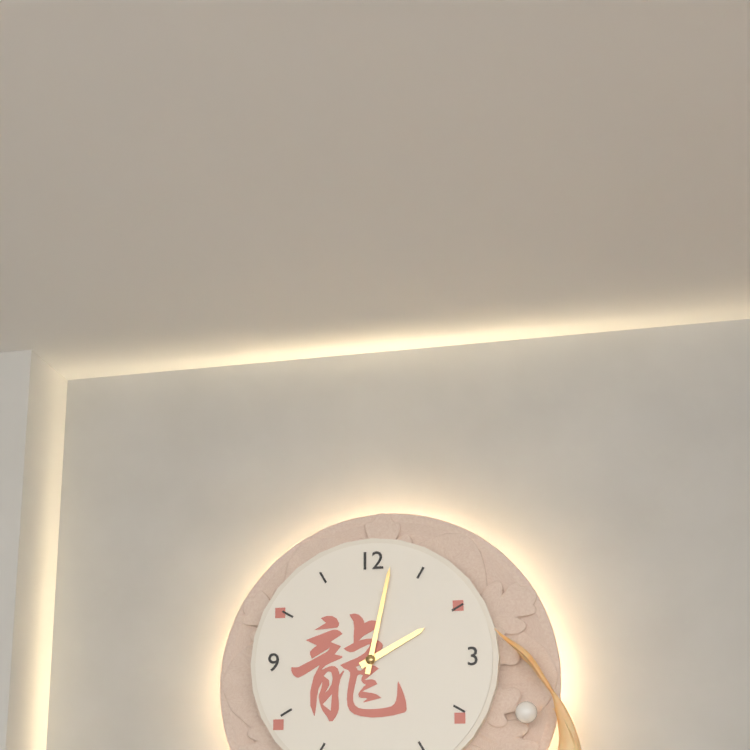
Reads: 2 h 02 min
